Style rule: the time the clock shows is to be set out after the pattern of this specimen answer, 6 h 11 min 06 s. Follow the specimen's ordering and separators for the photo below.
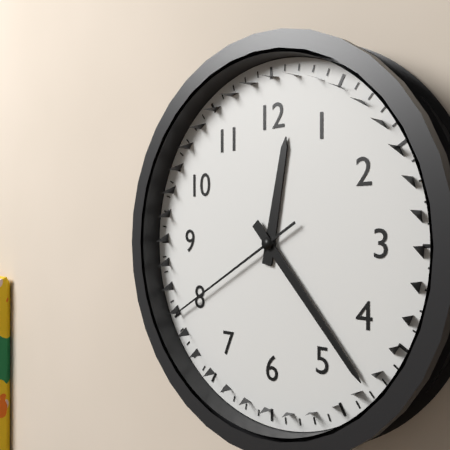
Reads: 12 h 23 min 40 s
